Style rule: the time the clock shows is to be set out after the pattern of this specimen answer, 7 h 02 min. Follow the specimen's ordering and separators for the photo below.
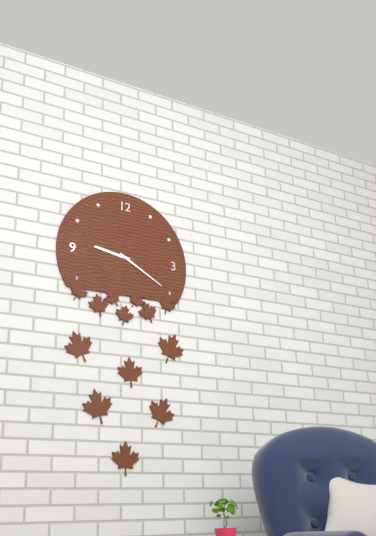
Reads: 9 h 20 min
